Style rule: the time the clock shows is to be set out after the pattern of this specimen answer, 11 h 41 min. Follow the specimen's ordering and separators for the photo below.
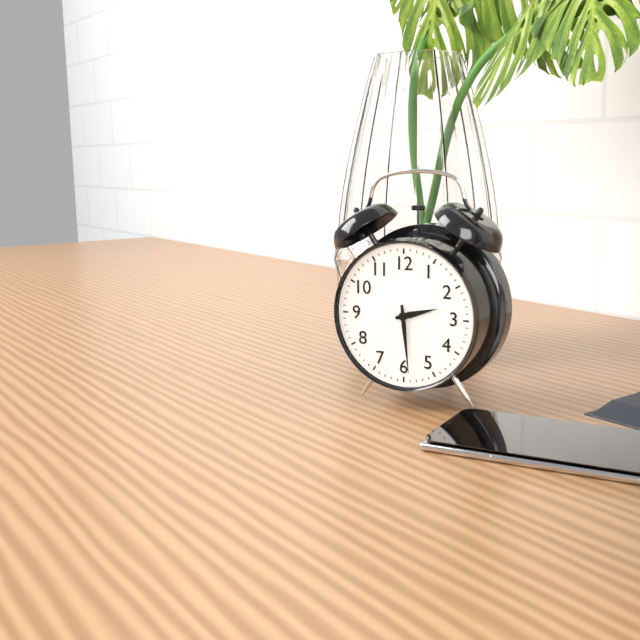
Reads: 2 h 29 min
